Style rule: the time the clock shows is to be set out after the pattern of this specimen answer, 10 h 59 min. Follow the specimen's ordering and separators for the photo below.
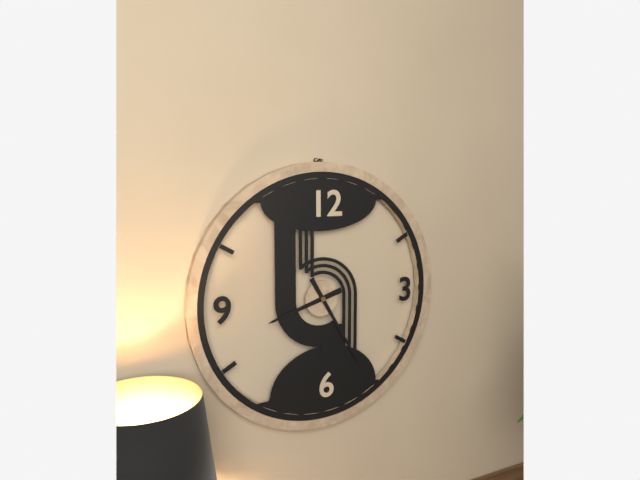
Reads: 8 h 25 min
